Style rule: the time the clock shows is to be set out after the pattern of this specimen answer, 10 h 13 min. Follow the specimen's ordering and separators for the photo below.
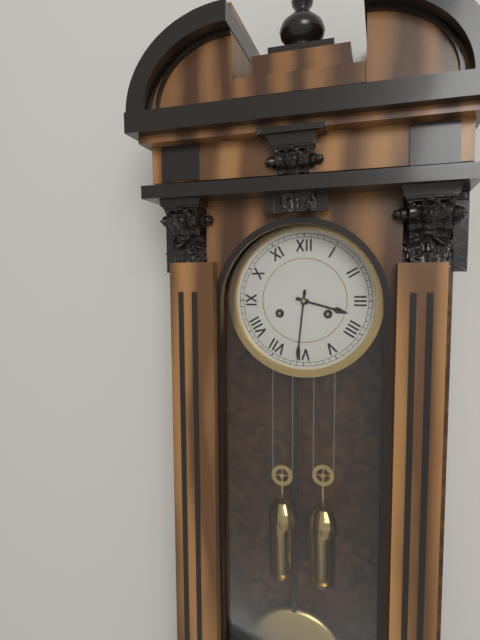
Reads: 3 h 31 min
